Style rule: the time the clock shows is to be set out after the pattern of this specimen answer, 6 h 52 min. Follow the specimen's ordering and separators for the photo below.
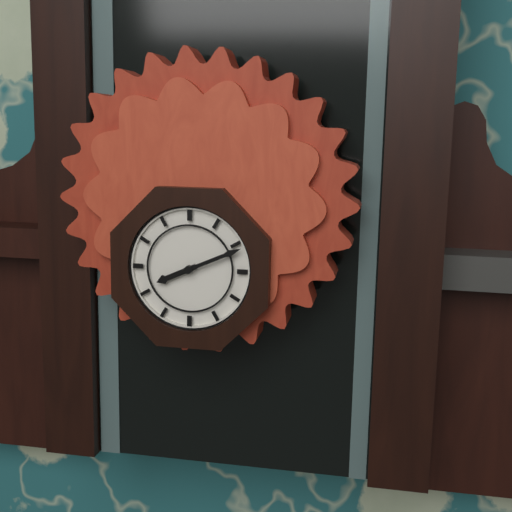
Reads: 8 h 11 min
